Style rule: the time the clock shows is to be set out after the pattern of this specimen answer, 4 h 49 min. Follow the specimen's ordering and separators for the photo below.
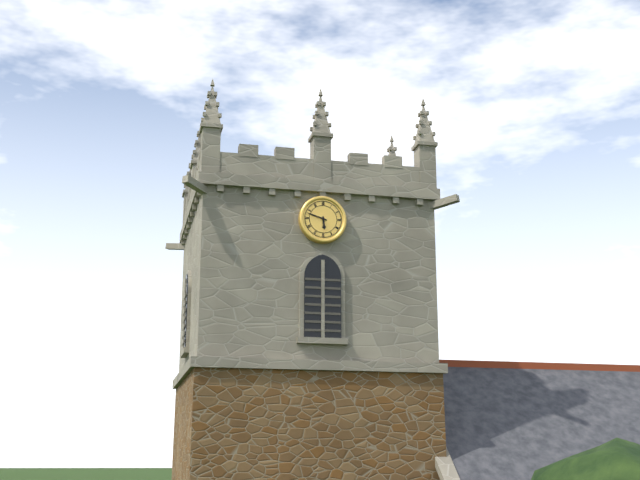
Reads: 5 h 48 min
